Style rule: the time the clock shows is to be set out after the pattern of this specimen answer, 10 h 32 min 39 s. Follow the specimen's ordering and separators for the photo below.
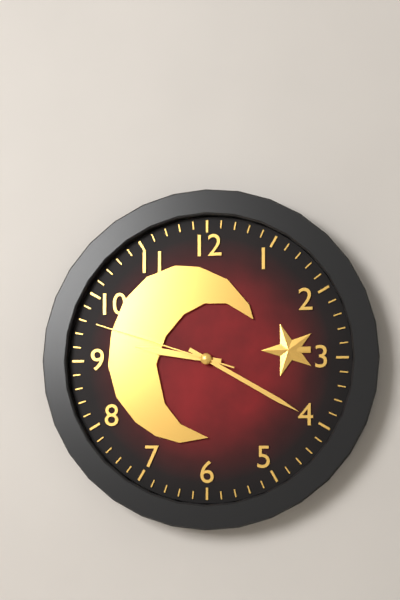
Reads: 9 h 20 min 48 s
